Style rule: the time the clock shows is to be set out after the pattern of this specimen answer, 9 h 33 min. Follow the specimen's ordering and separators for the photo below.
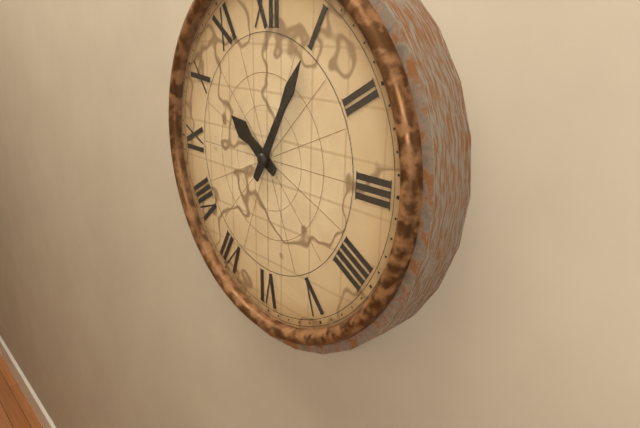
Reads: 10 h 05 min
